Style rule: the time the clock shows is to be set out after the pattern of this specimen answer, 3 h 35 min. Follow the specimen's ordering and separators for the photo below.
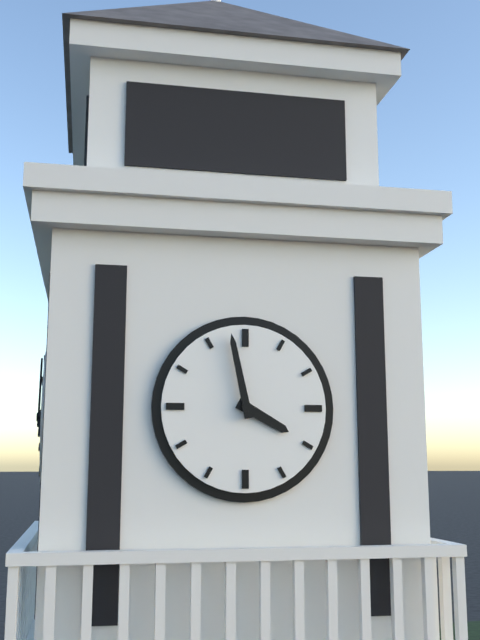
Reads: 3 h 58 min
